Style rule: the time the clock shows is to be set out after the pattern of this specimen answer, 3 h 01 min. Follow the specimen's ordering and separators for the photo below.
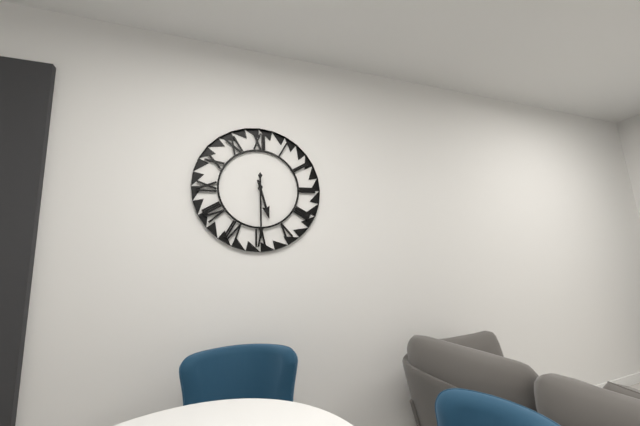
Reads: 5 h 30 min
